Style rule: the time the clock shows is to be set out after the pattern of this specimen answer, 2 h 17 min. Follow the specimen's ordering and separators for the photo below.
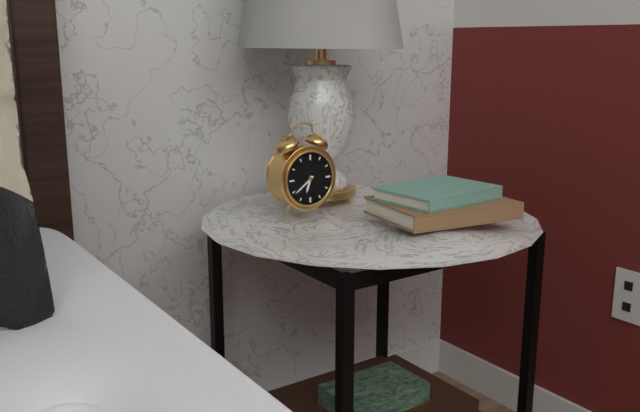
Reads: 6 h 39 min
